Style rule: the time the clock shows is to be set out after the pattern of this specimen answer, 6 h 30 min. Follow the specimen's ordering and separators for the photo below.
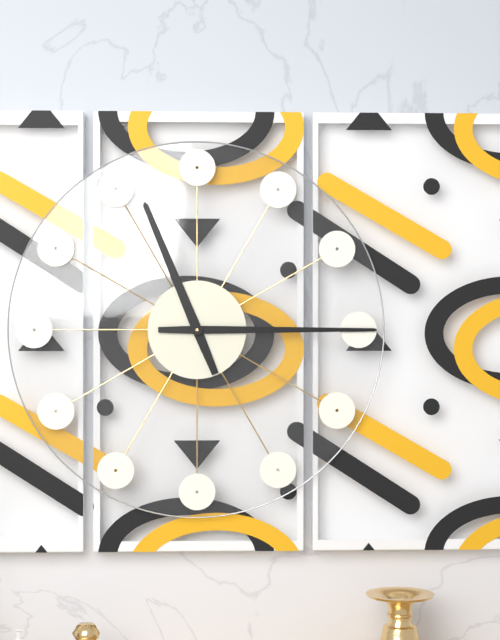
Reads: 11 h 15 min
